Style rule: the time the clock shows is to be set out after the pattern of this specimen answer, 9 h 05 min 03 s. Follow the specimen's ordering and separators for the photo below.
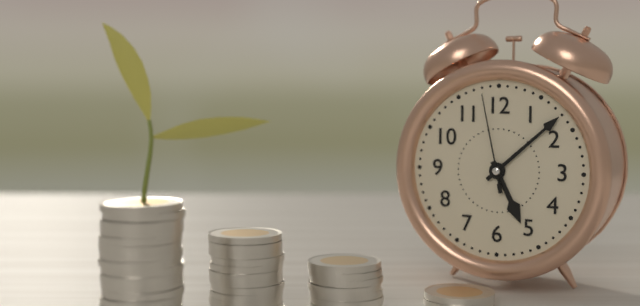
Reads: 5 h 08 min 58 s
